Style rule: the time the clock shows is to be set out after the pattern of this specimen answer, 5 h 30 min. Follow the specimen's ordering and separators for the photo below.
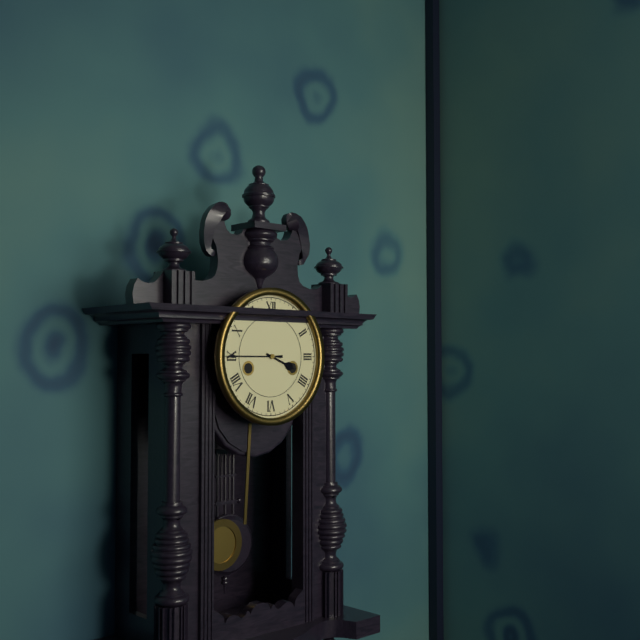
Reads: 3 h 45 min
